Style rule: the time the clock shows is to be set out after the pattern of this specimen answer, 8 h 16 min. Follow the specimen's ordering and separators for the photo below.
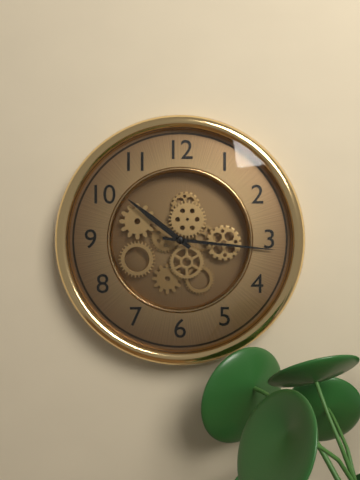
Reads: 10 h 16 min
